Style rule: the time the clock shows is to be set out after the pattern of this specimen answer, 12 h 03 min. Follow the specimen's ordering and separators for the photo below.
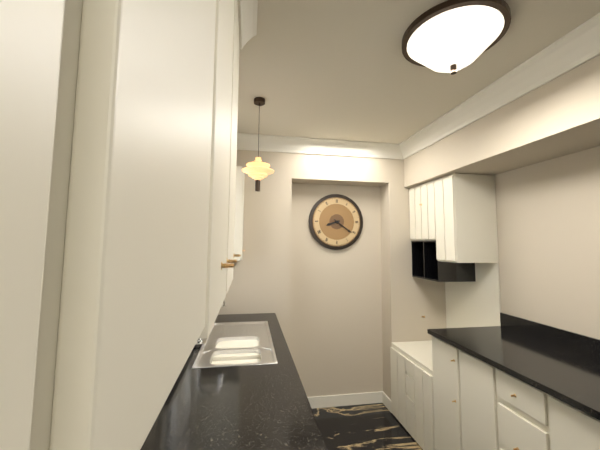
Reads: 8 h 21 min
